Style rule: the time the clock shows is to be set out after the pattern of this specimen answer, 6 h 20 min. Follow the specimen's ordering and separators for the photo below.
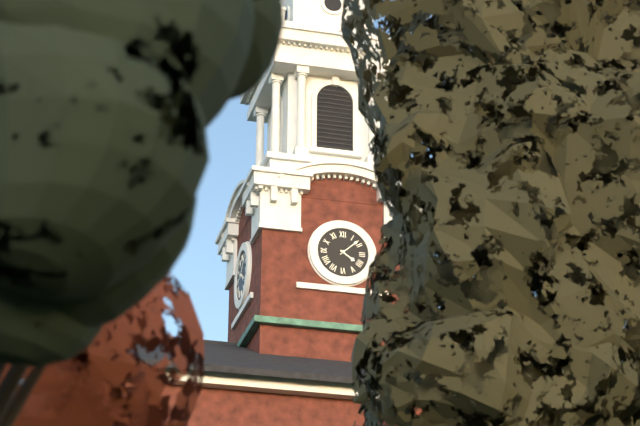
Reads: 4 h 08 min
